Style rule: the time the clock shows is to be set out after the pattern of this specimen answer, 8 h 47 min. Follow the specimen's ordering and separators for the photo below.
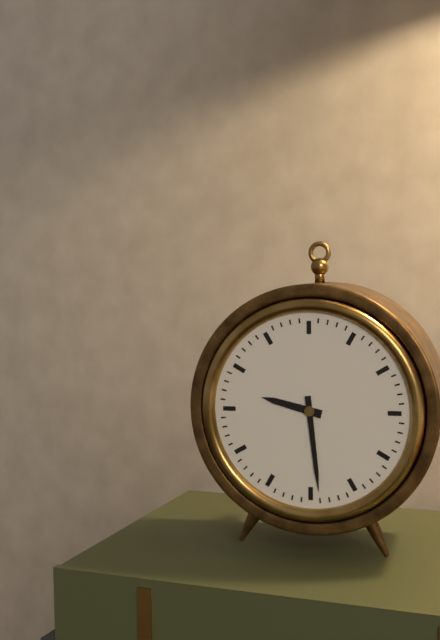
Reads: 9 h 29 min
